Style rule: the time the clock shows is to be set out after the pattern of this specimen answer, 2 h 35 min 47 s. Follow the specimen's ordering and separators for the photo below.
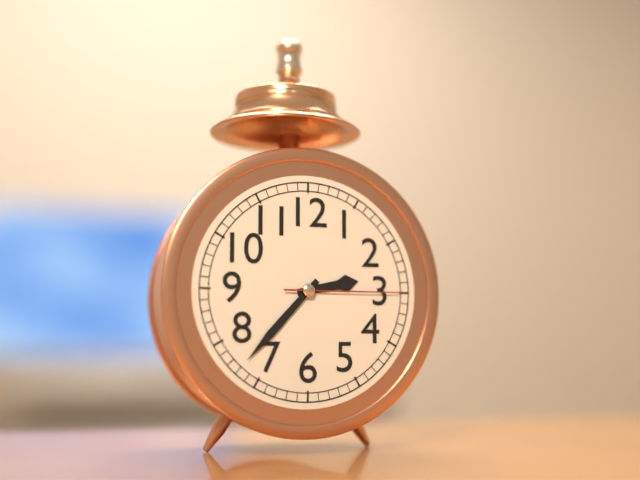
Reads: 2 h 37 min 15 s
